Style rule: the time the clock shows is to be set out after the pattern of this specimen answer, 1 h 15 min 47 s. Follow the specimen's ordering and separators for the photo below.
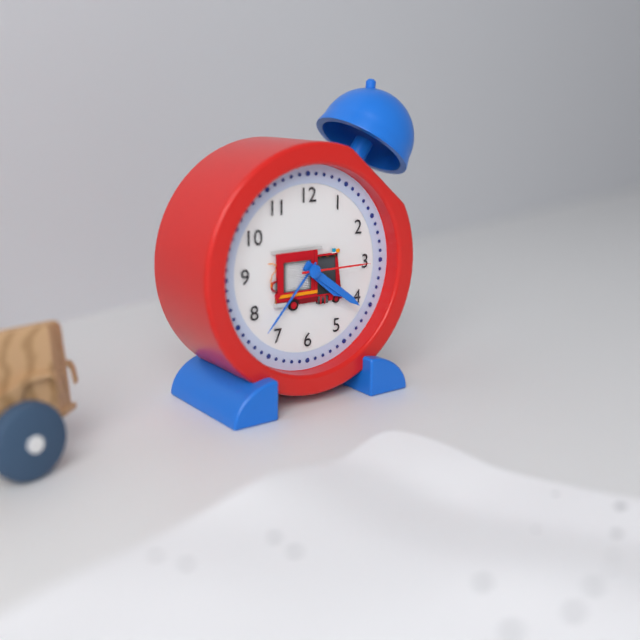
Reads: 4 h 21 min 15 s
